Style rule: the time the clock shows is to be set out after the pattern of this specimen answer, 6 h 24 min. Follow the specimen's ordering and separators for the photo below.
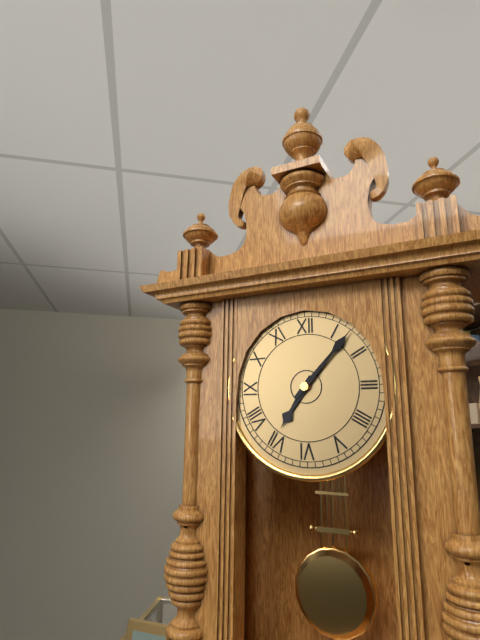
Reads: 7 h 07 min
